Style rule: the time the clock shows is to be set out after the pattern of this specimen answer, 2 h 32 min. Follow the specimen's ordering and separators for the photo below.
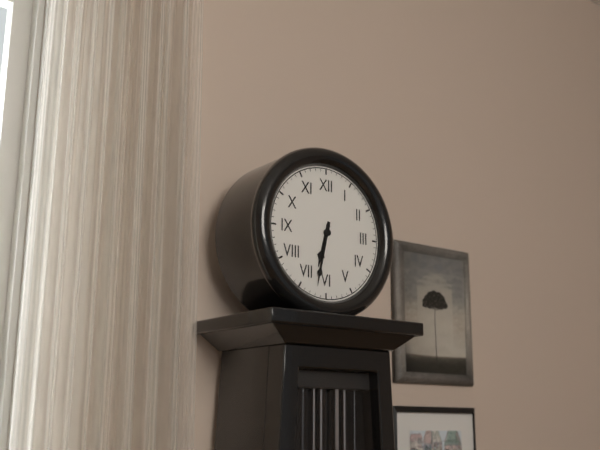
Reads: 6 h 32 min
